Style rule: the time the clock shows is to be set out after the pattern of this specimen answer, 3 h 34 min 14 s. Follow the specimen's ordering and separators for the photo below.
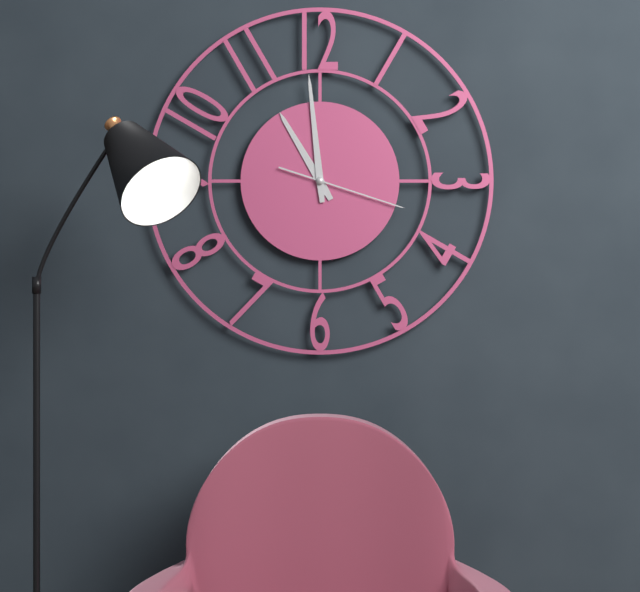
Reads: 10 h 59 min 18 s
